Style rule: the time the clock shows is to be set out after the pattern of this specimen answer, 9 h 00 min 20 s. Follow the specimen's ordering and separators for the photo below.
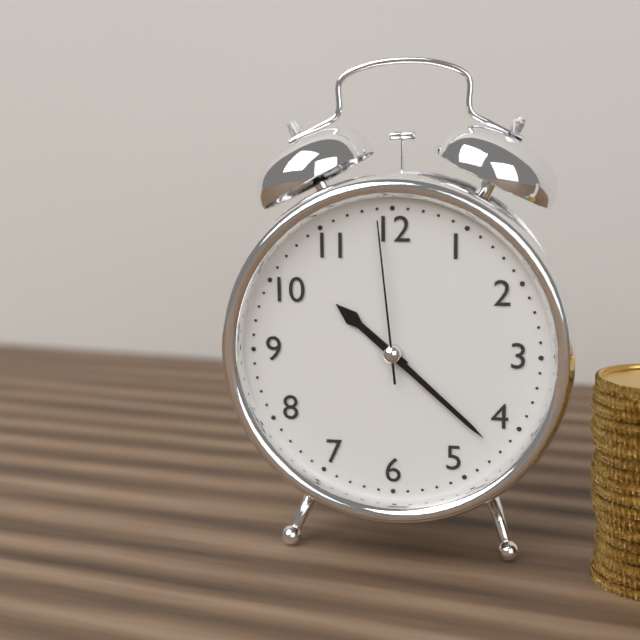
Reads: 10 h 22 min 59 s
